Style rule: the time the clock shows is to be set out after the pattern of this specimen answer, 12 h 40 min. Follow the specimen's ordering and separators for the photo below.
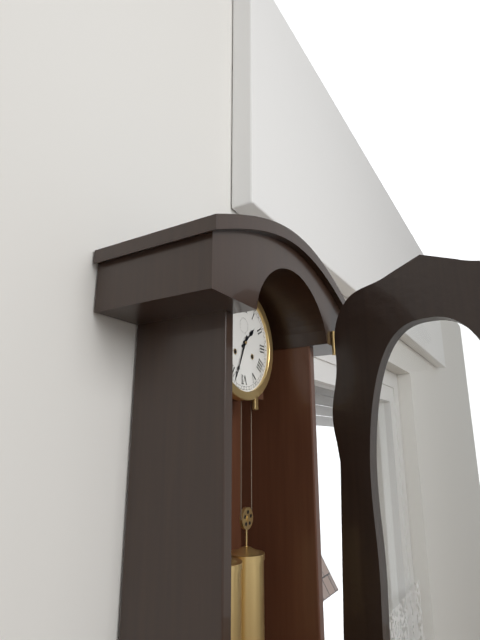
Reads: 1 h 34 min
